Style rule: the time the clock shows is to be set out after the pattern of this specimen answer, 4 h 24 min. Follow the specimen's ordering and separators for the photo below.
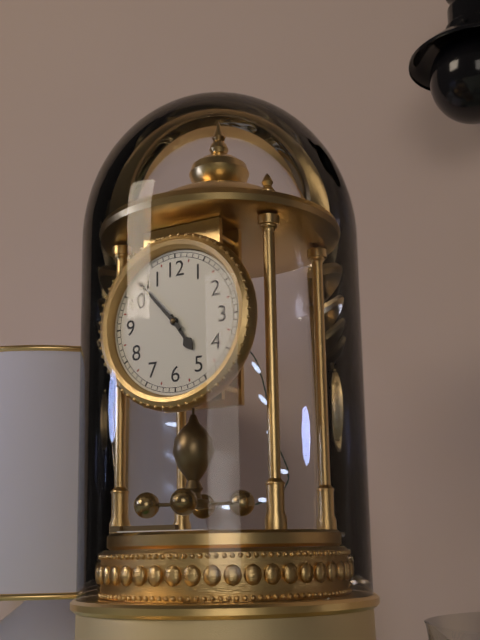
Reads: 4 h 53 min
